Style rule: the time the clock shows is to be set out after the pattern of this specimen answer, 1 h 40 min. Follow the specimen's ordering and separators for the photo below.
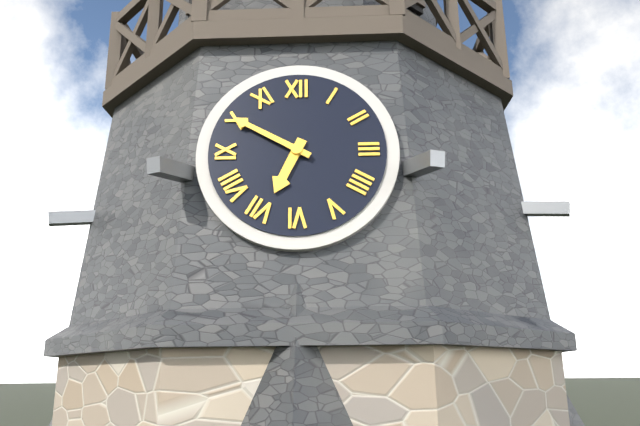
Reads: 6 h 50 min
